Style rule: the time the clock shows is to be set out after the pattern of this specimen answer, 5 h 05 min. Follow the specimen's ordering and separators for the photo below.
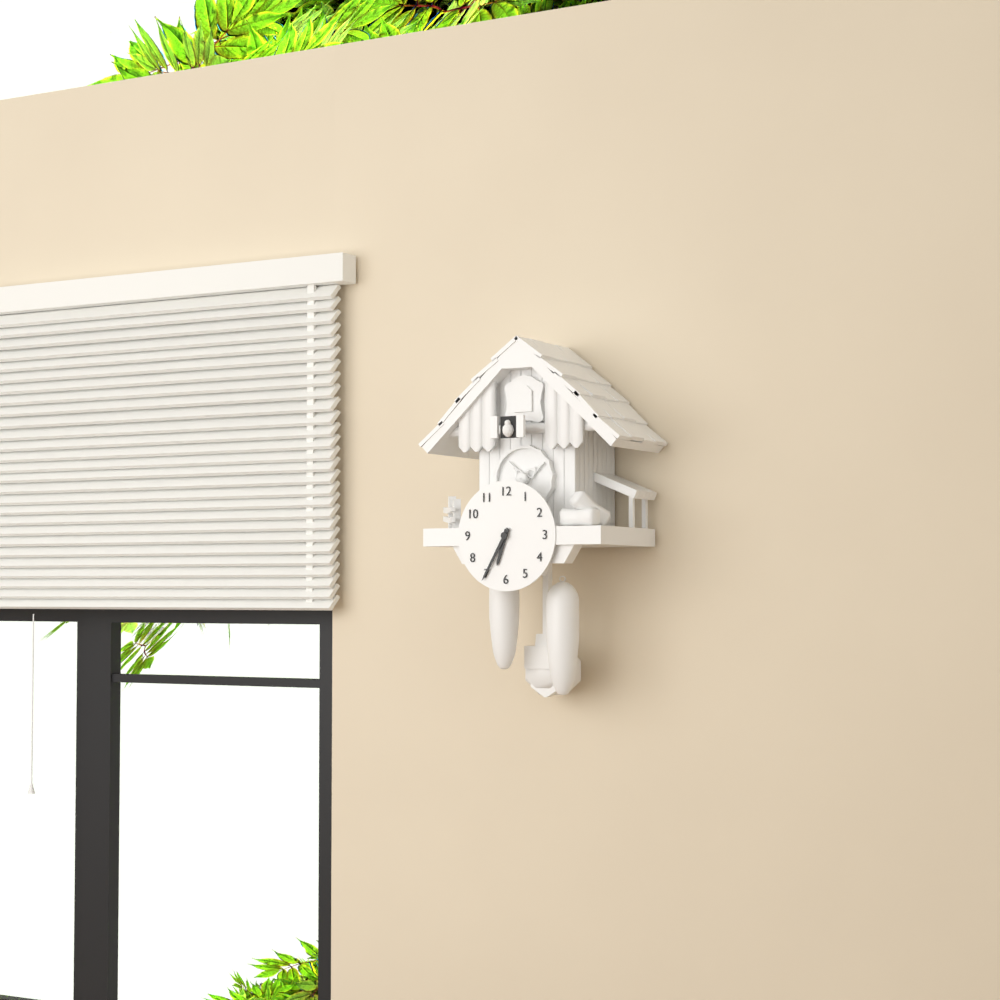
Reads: 6 h 35 min
